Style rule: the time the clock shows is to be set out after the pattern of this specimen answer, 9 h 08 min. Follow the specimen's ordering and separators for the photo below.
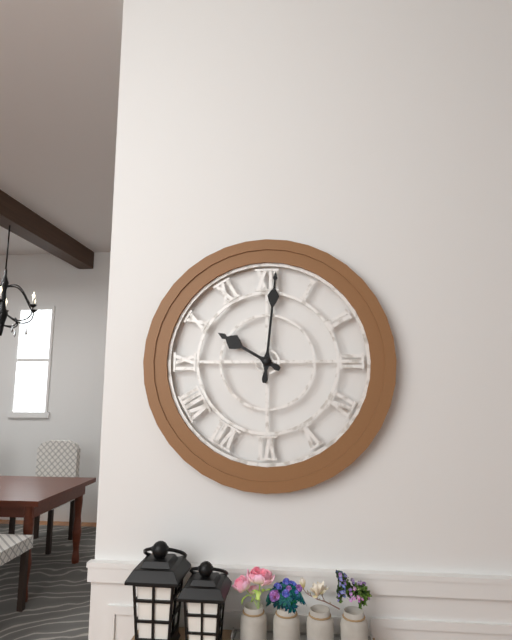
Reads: 10 h 01 min
